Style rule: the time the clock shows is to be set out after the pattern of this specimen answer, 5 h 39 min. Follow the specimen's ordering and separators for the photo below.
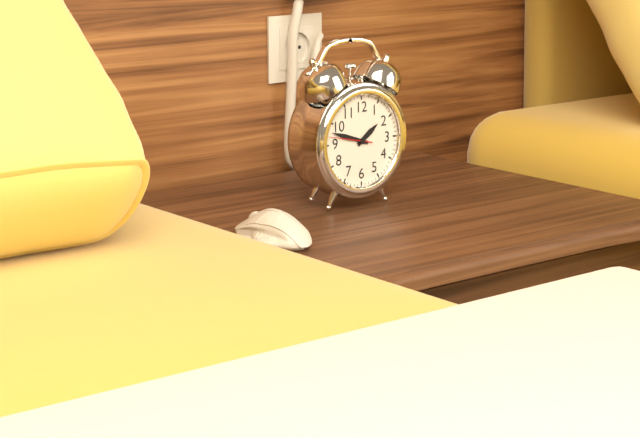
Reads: 1 h 48 min
